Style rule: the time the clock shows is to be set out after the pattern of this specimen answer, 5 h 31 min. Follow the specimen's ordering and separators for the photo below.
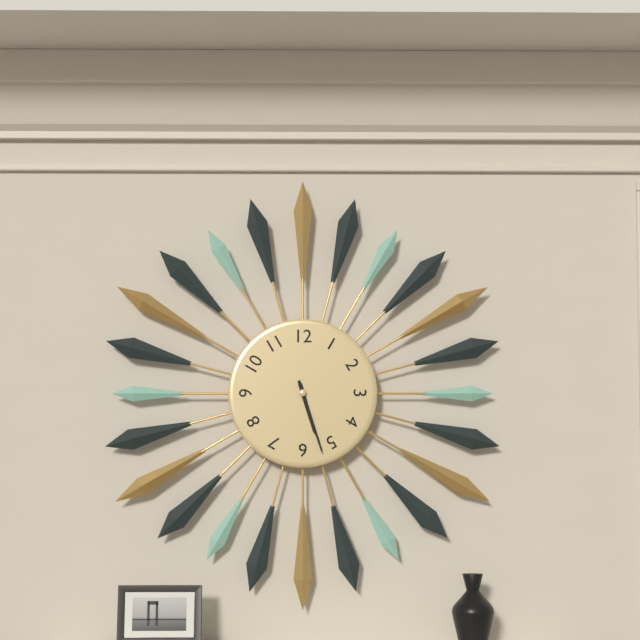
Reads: 5 h 27 min
